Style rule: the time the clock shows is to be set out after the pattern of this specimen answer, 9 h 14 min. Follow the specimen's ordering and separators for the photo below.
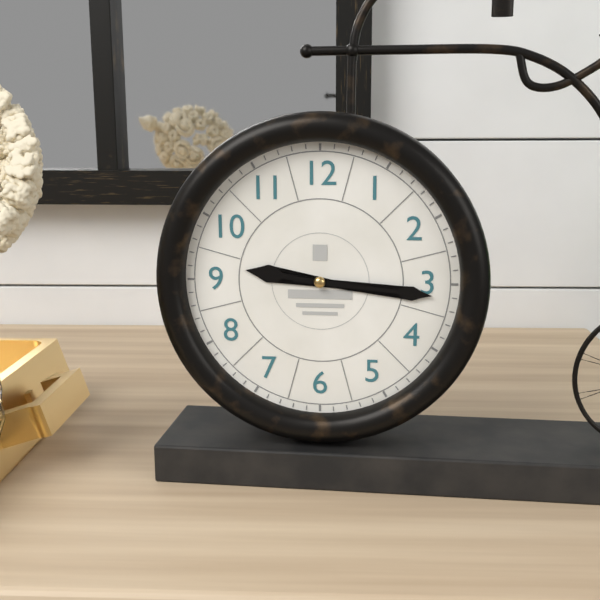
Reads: 9 h 16 min
